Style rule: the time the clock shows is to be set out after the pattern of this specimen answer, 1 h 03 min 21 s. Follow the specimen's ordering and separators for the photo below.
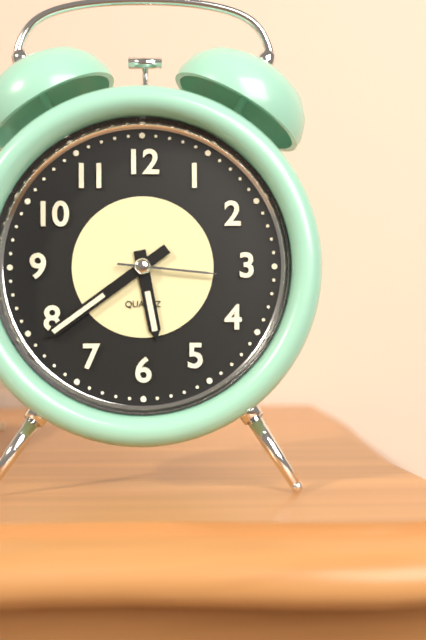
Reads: 5 h 39 min 16 s
